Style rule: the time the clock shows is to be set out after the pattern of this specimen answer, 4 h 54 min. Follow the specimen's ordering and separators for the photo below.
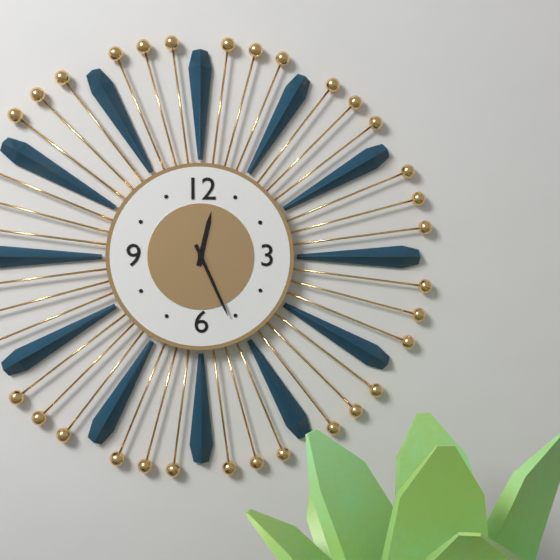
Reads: 12 h 26 min
